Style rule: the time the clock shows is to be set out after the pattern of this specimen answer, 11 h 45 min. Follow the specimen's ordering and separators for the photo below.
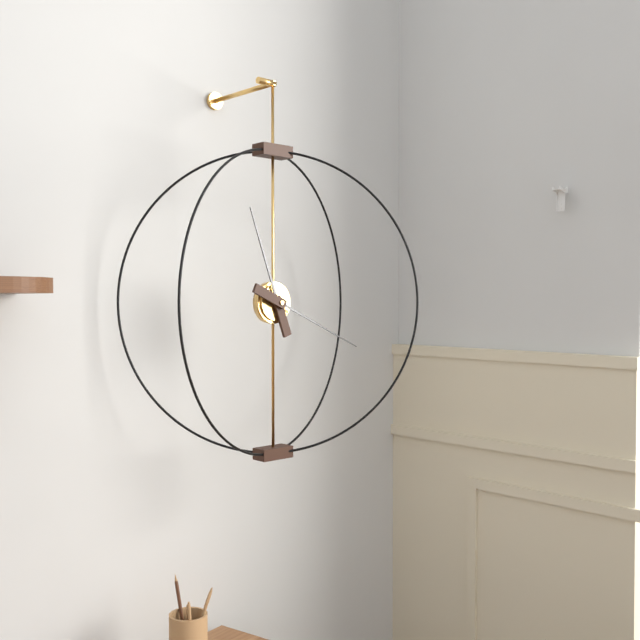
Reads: 11 h 19 min
